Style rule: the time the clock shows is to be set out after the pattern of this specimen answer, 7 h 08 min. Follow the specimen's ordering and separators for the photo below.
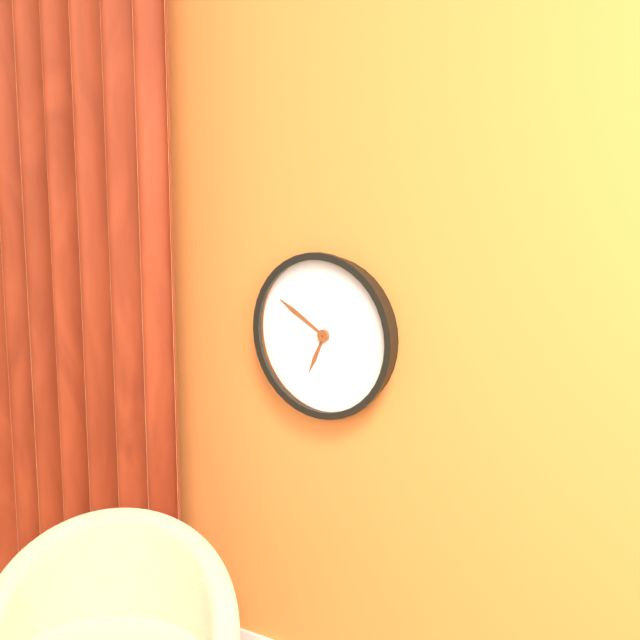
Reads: 6 h 50 min
